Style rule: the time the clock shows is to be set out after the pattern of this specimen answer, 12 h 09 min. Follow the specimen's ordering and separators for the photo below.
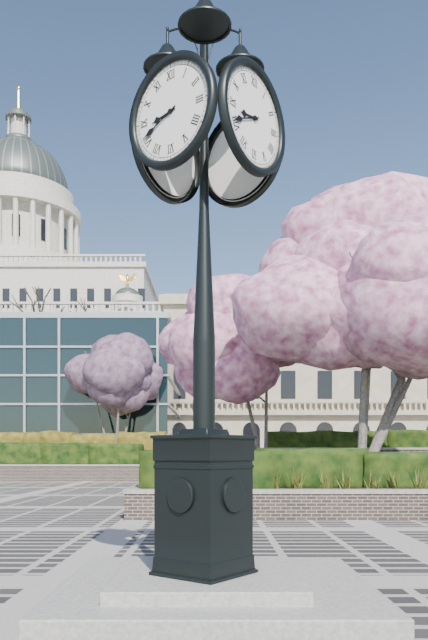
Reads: 8 h 41 min
